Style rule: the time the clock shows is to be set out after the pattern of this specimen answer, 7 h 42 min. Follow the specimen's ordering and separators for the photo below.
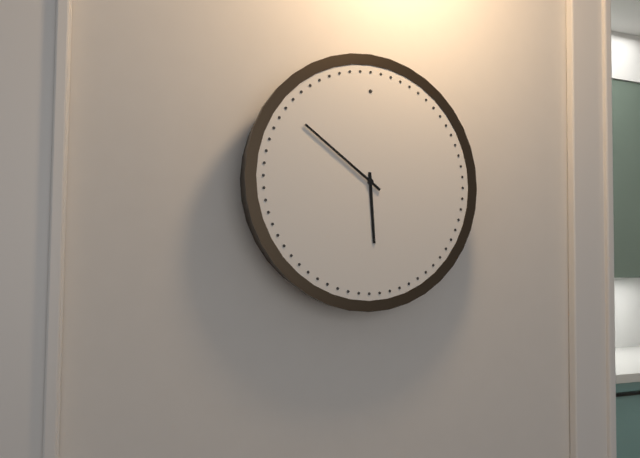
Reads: 5 h 51 min
